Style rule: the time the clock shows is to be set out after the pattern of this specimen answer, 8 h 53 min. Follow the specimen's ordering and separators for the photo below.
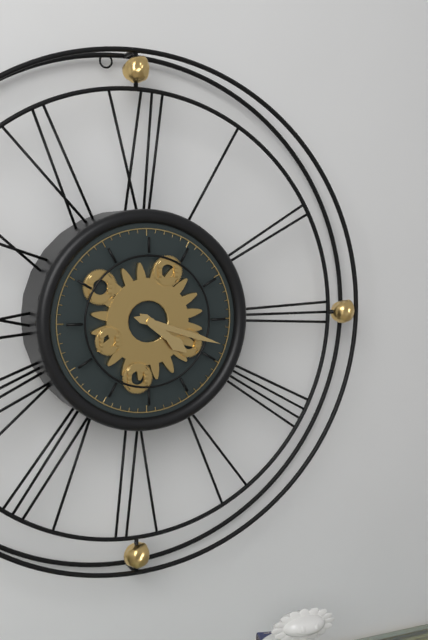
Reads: 4 h 18 min
